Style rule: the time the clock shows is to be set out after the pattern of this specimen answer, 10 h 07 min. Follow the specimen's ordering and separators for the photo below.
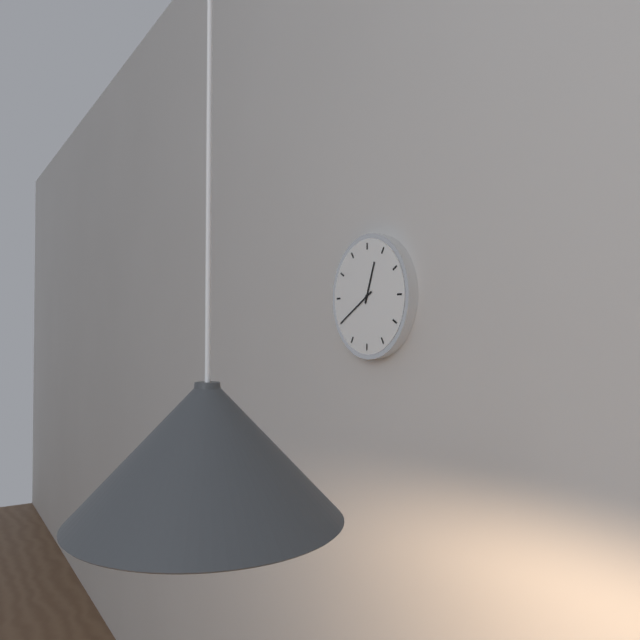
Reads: 12 h 40 min
